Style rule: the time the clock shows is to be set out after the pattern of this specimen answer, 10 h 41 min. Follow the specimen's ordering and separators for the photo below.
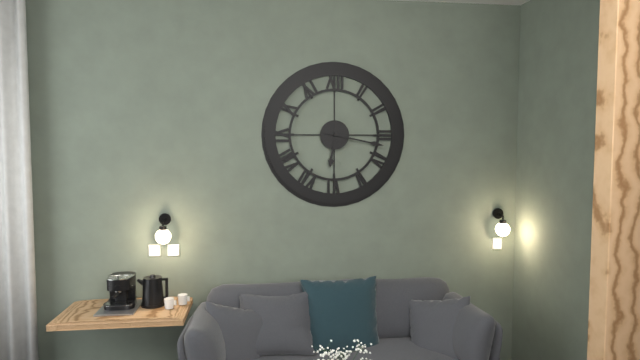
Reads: 6 h 17 min
